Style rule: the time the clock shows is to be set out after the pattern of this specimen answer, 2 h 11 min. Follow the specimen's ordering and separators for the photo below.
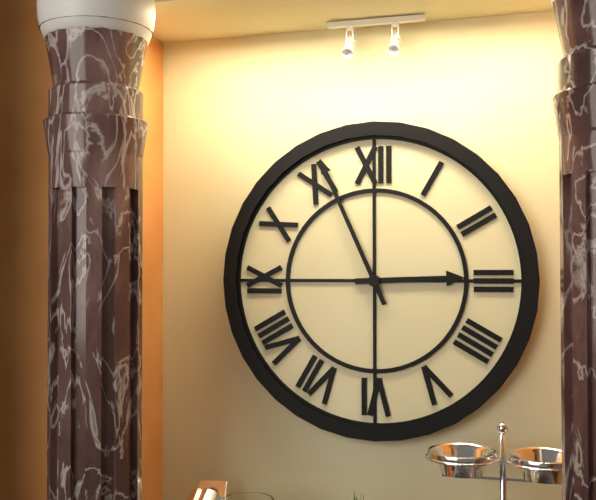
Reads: 2 h 56 min
